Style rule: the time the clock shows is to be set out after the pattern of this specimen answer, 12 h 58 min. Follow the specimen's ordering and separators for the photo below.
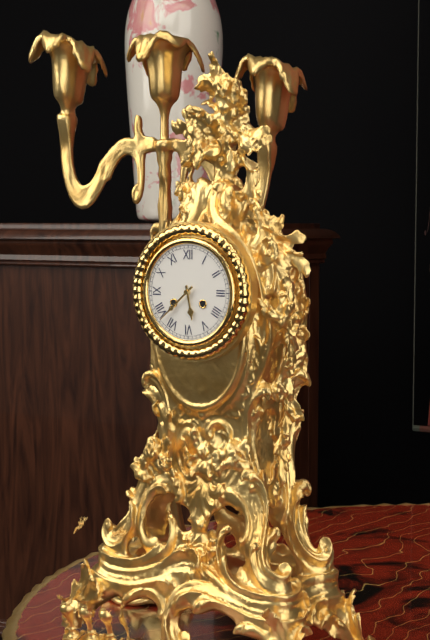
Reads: 5 h 38 min
